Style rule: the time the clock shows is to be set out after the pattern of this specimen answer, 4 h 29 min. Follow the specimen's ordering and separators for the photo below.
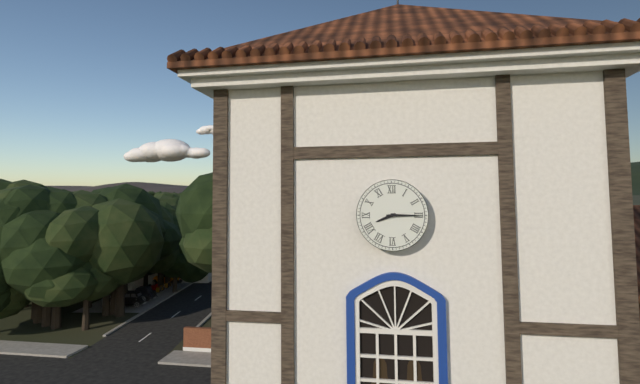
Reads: 8 h 15 min
